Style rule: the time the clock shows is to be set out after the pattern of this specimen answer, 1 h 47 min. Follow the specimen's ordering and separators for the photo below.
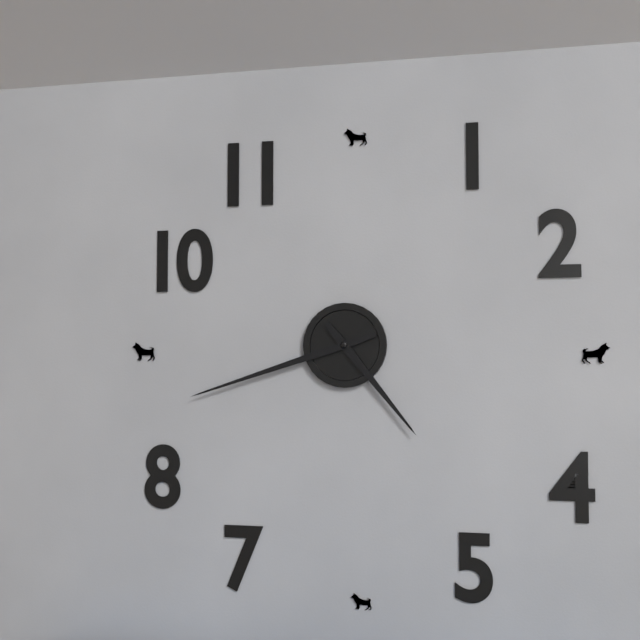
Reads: 4 h 42 min
